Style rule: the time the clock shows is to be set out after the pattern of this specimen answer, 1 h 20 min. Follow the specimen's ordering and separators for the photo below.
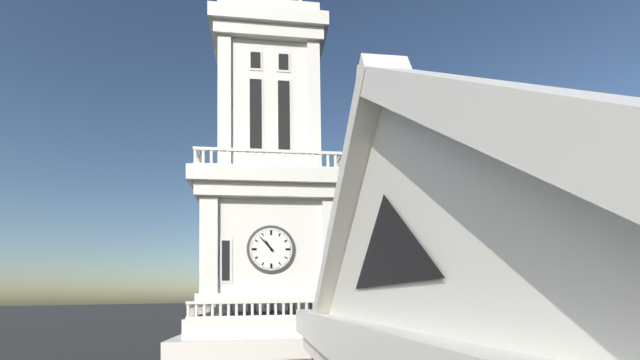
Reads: 10 h 53 min
